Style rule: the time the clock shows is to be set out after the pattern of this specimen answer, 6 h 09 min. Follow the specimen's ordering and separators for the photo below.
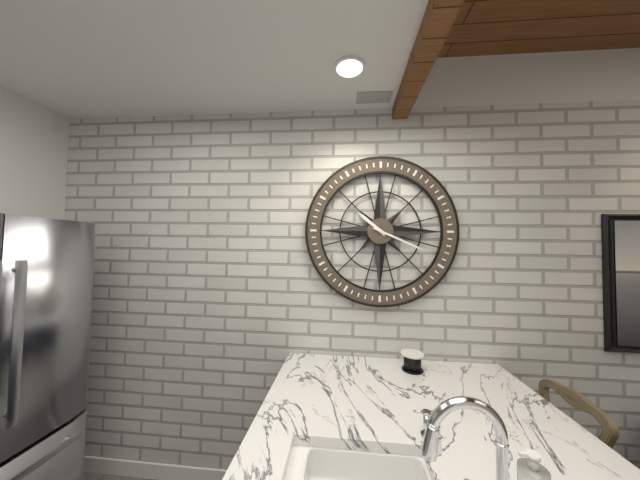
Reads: 10 h 19 min
